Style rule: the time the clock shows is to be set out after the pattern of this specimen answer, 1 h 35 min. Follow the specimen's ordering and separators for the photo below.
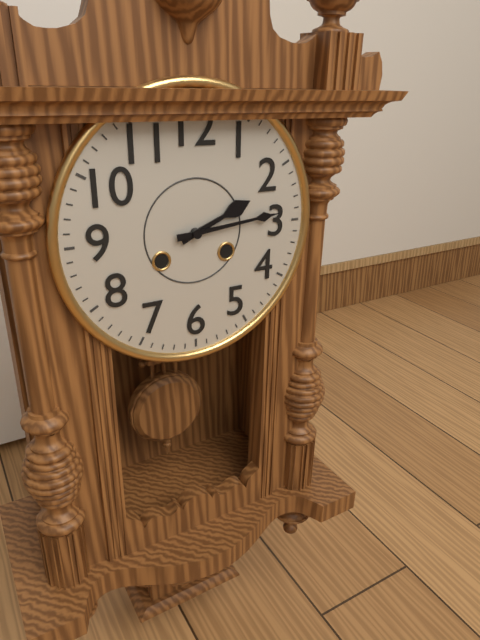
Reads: 2 h 14 min
